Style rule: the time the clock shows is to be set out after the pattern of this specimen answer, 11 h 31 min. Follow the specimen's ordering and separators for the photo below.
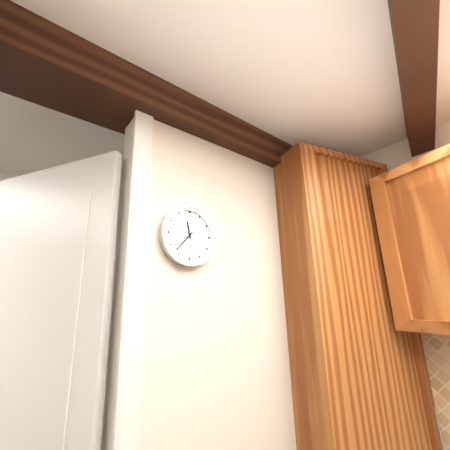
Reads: 11 h 37 min
